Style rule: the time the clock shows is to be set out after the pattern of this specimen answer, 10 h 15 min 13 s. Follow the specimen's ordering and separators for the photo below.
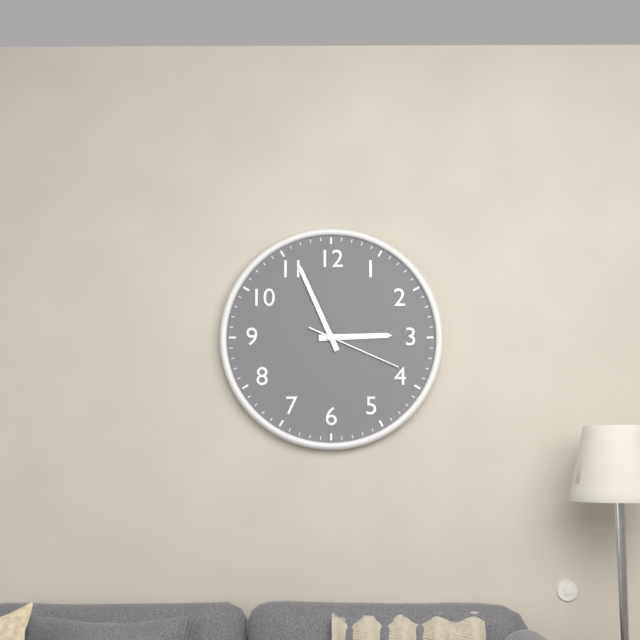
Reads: 2 h 56 min 19 s
